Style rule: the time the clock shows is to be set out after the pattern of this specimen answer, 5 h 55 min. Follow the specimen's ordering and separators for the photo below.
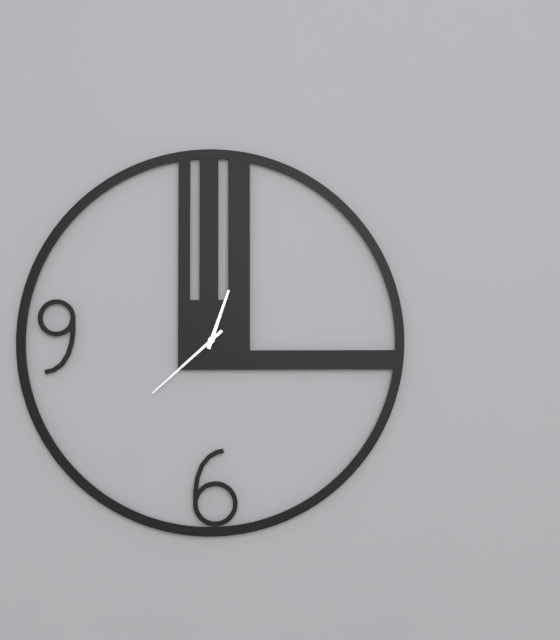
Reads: 12 h 38 min
